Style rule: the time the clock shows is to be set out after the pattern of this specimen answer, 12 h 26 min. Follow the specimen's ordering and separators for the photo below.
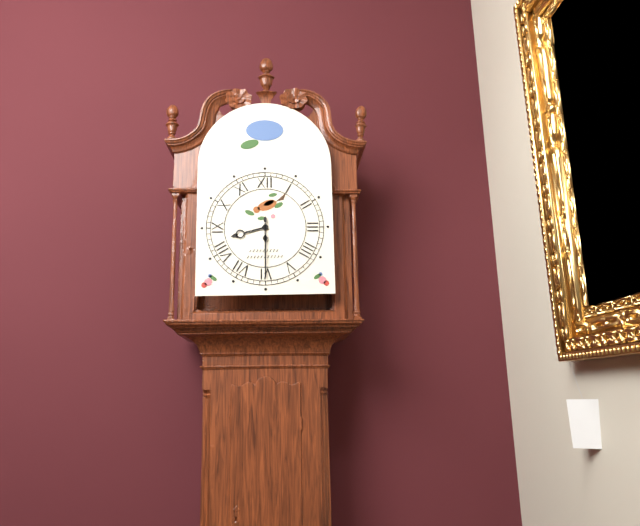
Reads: 8 h 30 min
